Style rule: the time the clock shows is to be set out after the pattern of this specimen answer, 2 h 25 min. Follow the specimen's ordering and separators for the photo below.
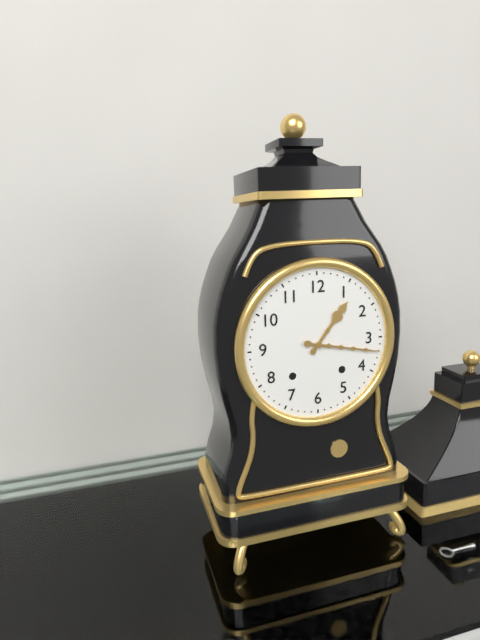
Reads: 1 h 17 min
